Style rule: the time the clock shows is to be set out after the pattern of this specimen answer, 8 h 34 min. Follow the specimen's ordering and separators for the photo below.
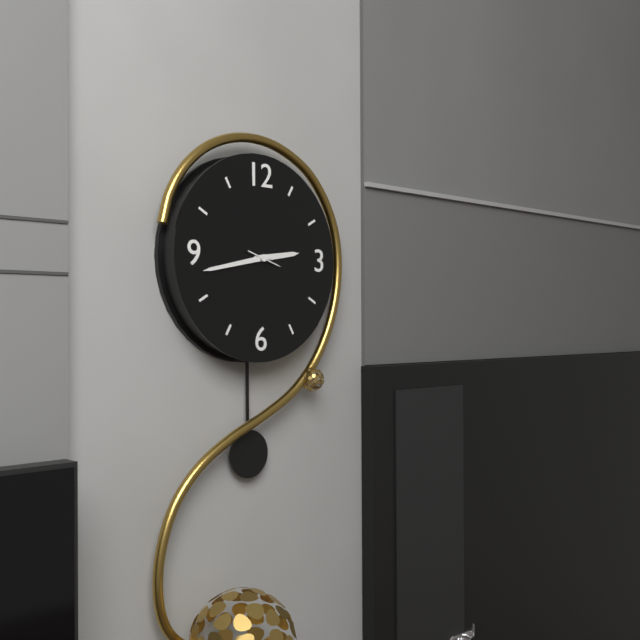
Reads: 2 h 43 min
